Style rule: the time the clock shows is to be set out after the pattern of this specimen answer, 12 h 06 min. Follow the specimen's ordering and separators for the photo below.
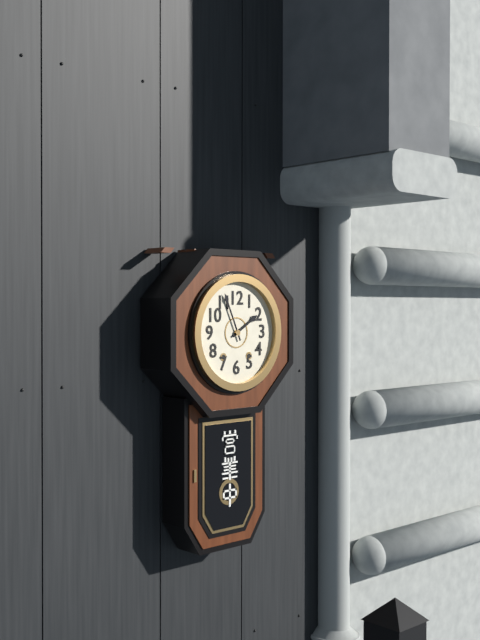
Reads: 1 h 56 min
